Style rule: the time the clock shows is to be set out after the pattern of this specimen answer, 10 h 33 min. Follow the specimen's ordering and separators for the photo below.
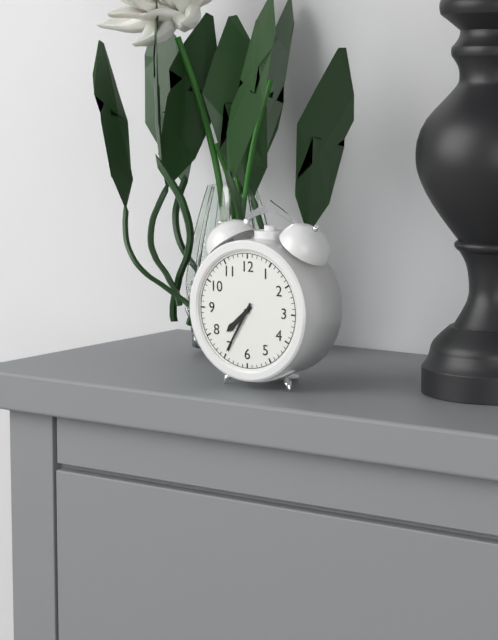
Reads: 7 h 35 min
